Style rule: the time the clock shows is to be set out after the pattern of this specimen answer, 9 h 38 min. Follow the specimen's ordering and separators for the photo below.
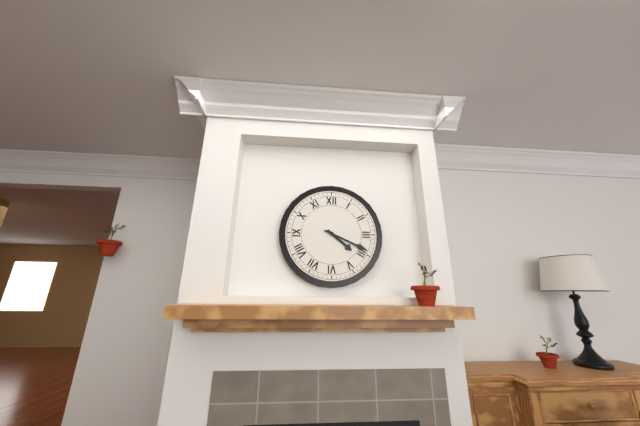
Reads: 4 h 19 min
